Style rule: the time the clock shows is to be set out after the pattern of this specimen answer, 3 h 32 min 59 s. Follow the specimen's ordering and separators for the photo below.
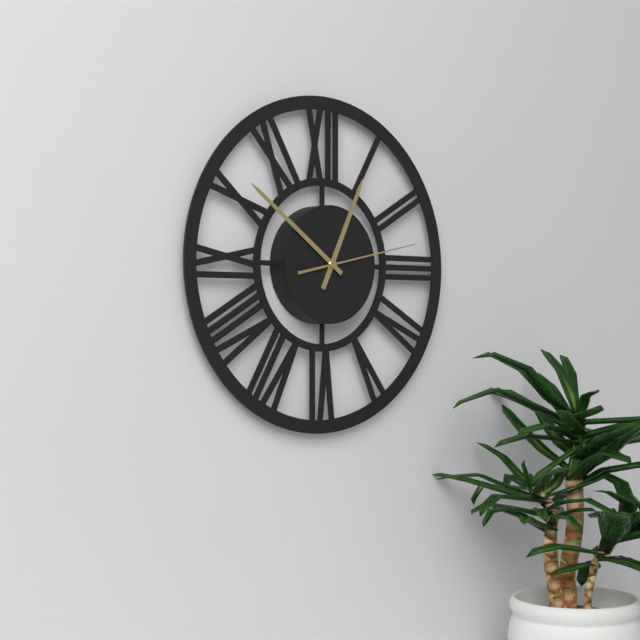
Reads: 12 h 51 min 13 s
